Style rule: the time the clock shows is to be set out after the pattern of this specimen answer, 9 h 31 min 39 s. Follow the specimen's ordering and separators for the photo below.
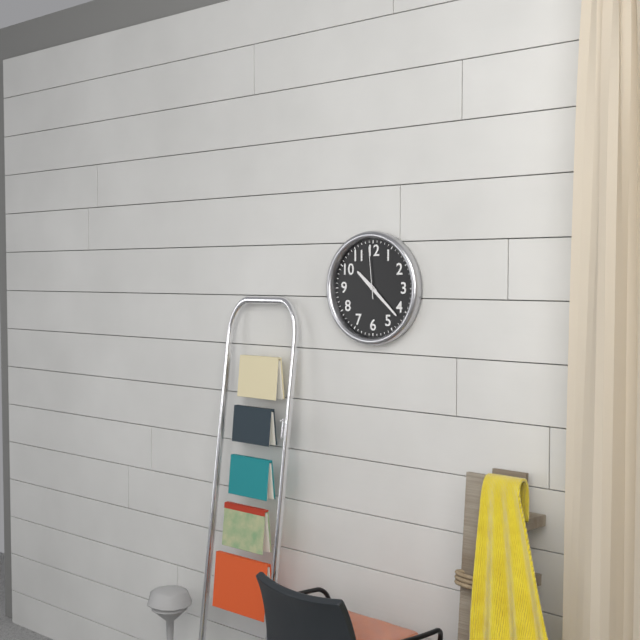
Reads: 10 h 22 min 59 s
